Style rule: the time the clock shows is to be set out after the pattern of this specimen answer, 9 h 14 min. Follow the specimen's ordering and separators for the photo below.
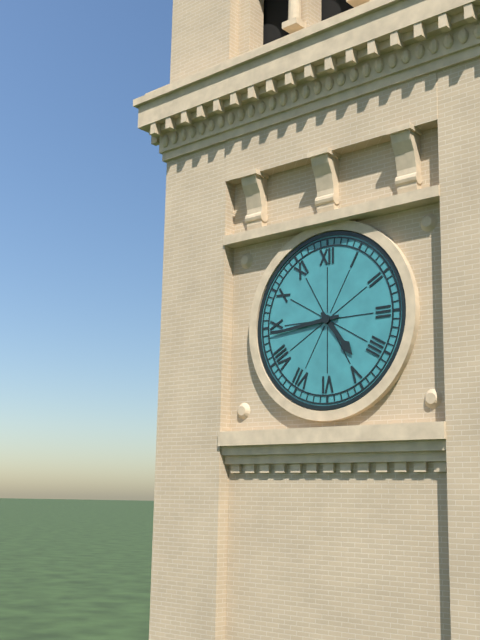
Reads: 4 h 44 min
